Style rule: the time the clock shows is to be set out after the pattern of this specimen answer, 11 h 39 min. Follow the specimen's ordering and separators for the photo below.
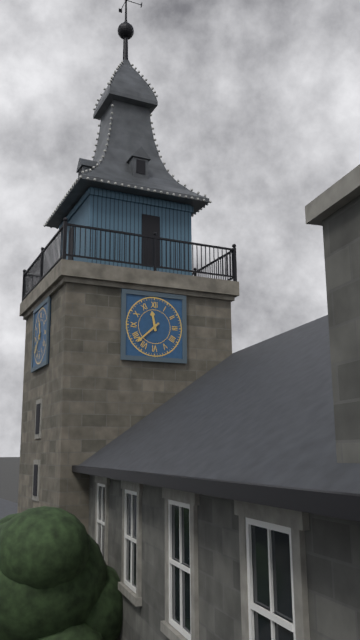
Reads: 11 h 38 min
